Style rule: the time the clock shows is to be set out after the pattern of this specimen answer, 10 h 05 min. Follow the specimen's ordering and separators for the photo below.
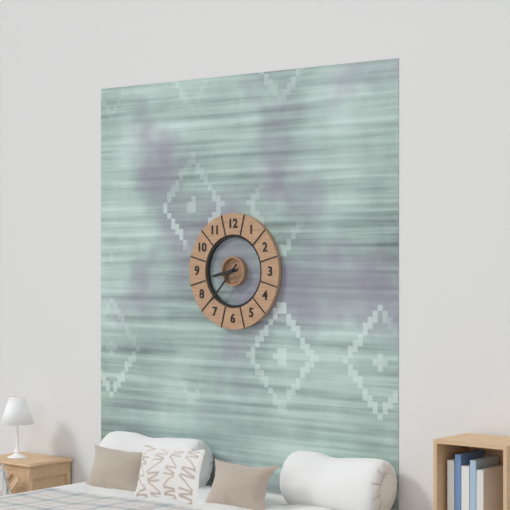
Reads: 8 h 37 min
